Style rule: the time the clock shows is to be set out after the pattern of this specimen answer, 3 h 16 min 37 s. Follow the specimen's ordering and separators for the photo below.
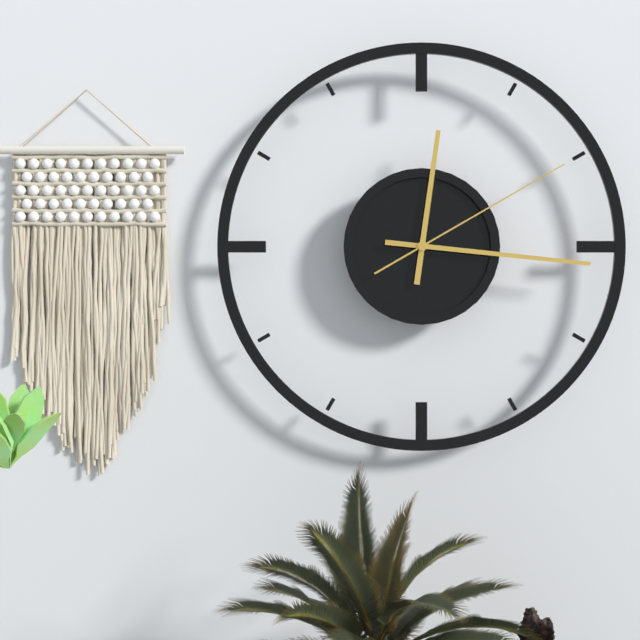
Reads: 12 h 16 min 10 s
